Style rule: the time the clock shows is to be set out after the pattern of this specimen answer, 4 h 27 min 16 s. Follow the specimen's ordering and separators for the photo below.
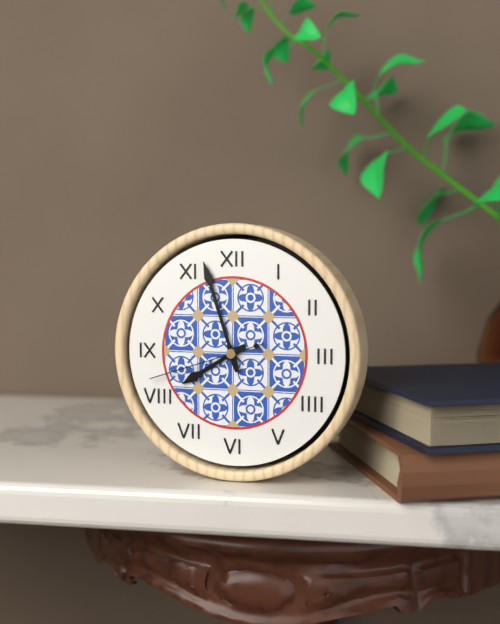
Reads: 7 h 57 min 42 s
